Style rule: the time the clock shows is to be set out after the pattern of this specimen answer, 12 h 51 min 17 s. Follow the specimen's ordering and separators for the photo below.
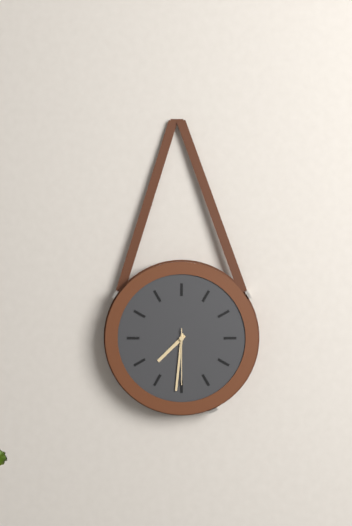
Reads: 7 h 31 min 30 s
